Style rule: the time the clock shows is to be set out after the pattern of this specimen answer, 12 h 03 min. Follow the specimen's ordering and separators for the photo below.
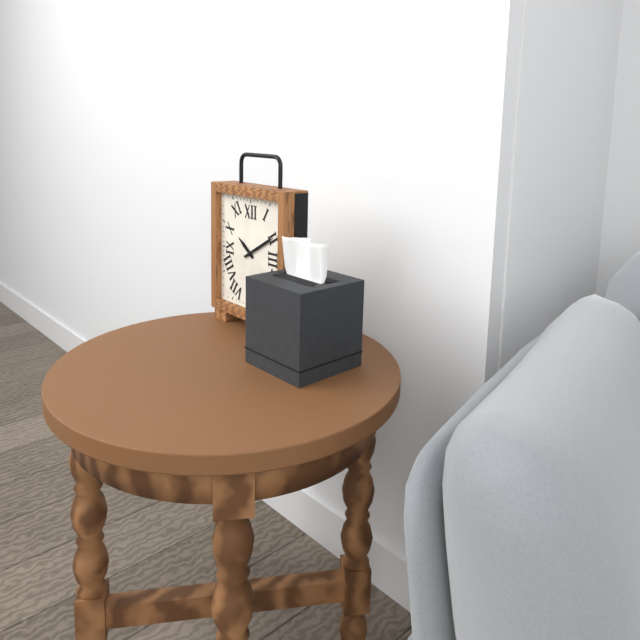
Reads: 10 h 10 min
